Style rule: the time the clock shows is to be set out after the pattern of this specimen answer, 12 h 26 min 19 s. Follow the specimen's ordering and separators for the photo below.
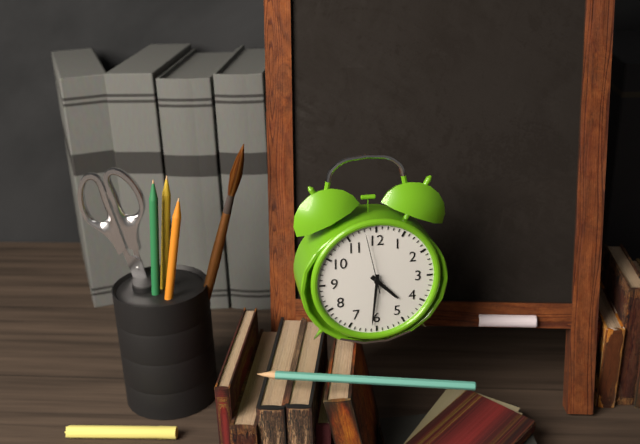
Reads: 4 h 31 min 58 s
